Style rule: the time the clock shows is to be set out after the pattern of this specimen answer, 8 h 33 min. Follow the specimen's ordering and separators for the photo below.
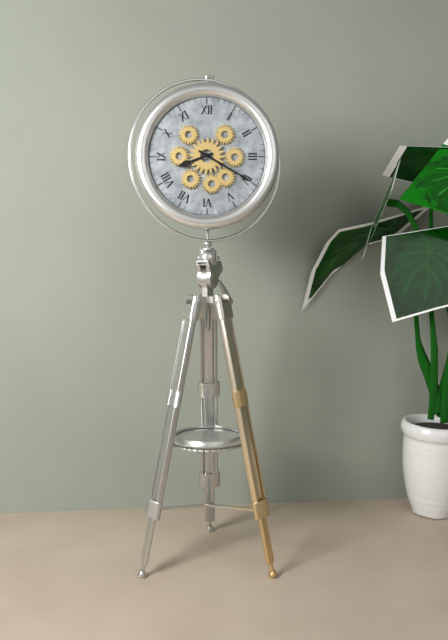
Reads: 8 h 20 min
